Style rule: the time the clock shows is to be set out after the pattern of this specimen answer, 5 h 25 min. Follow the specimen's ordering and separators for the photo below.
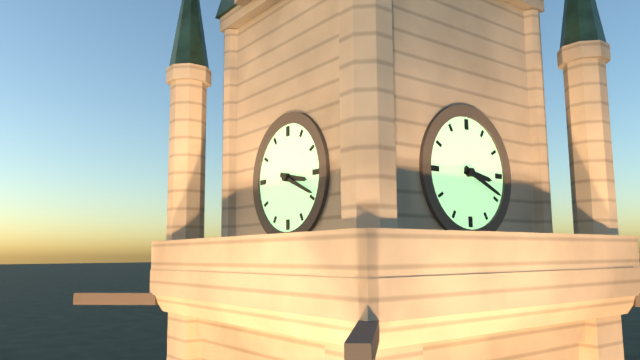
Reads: 3 h 19 min
